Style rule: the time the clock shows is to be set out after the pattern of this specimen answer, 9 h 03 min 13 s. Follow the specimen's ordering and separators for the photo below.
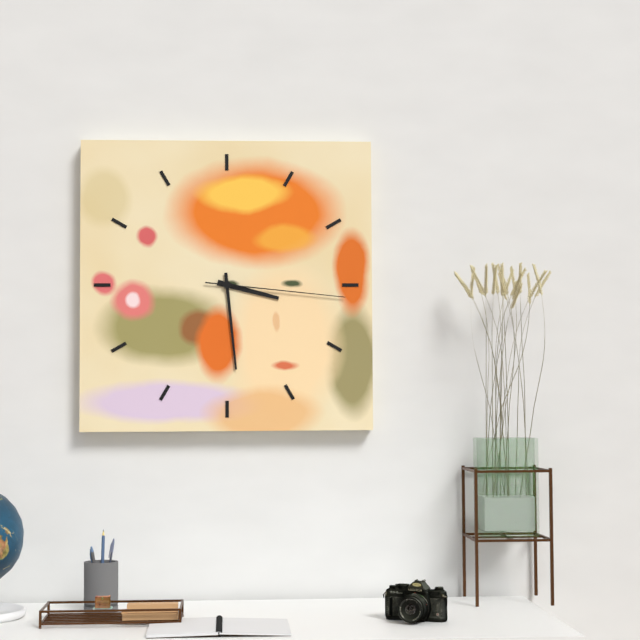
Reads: 3 h 29 min 16 s
